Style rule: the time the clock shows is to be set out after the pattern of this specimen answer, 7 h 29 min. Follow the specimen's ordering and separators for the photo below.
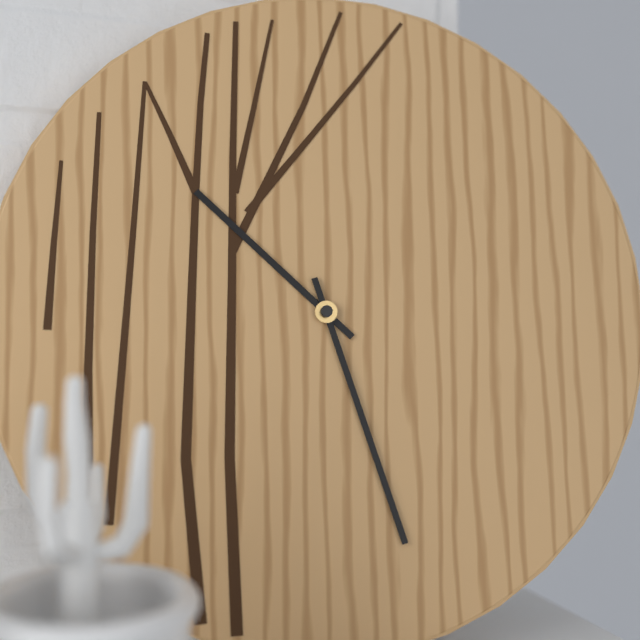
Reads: 10 h 27 min
